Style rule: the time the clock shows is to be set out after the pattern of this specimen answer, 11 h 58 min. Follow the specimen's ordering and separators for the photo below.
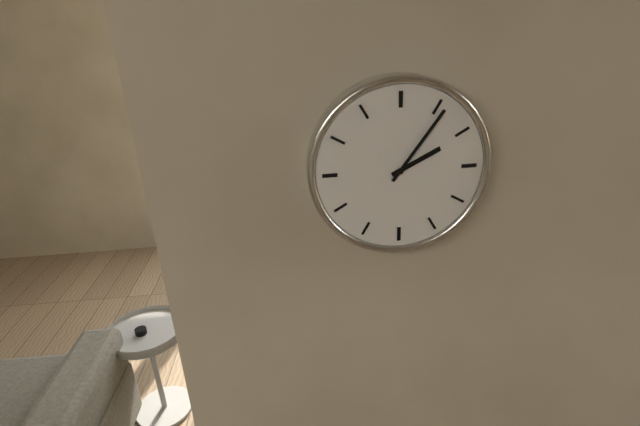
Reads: 2 h 06 min
